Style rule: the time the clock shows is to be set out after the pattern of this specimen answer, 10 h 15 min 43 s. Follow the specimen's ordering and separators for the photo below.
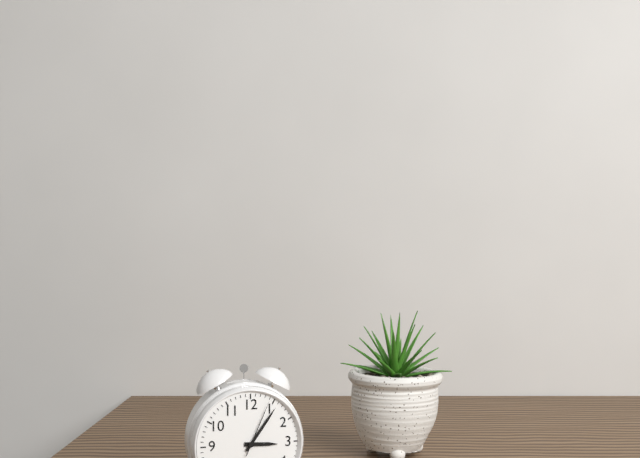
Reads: 3 h 06 min 04 s
